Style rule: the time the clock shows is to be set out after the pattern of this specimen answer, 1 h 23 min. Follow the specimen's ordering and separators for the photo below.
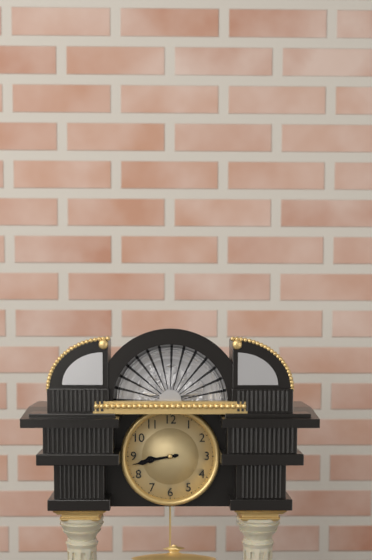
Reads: 8 h 43 min
